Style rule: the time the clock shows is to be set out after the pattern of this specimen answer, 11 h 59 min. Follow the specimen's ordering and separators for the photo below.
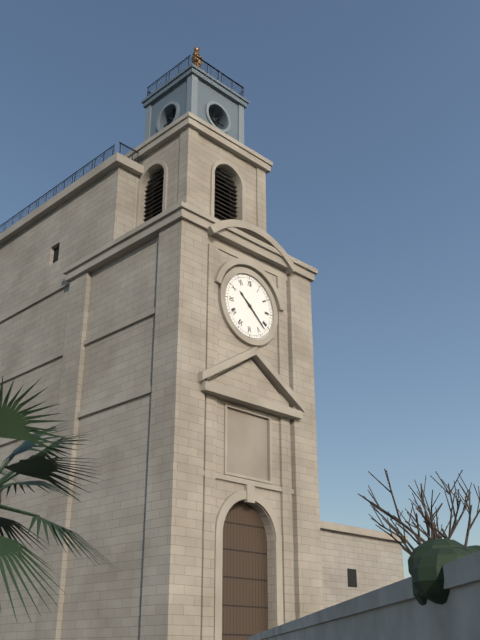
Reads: 10 h 22 min
